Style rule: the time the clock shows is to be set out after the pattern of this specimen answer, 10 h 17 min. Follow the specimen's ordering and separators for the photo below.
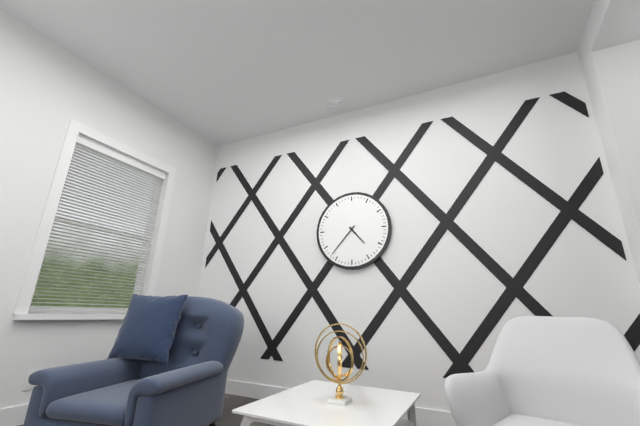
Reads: 4 h 37 min
